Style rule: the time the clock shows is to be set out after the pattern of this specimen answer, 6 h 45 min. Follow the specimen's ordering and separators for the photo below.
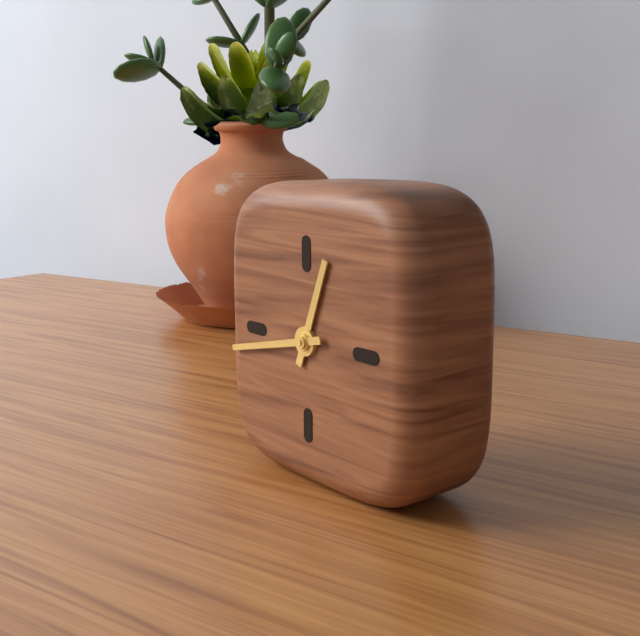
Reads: 12 h 43 min
